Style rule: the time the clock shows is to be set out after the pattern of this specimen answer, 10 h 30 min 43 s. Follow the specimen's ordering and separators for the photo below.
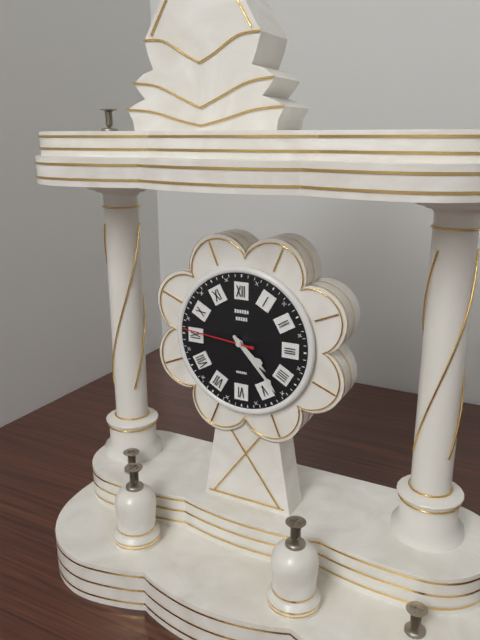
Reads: 4 h 23 min 46 s
